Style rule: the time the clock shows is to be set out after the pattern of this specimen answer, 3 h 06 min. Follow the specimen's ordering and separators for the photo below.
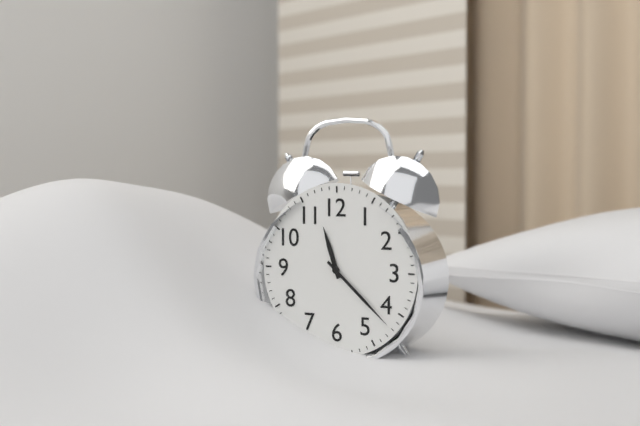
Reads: 11 h 22 min
